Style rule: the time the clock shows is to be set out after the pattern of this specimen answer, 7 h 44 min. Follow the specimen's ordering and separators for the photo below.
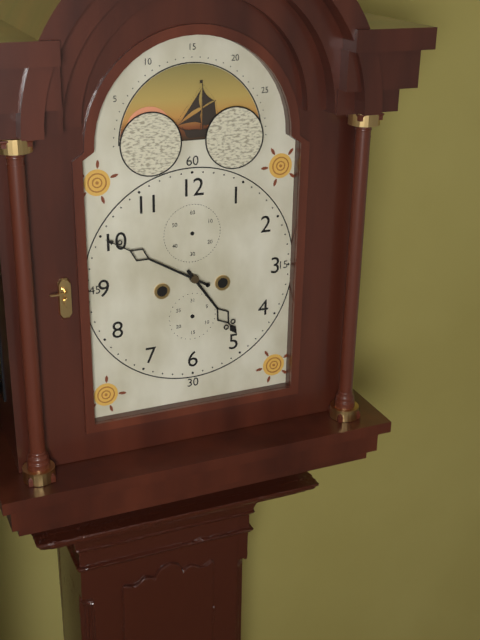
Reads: 4 h 50 min
